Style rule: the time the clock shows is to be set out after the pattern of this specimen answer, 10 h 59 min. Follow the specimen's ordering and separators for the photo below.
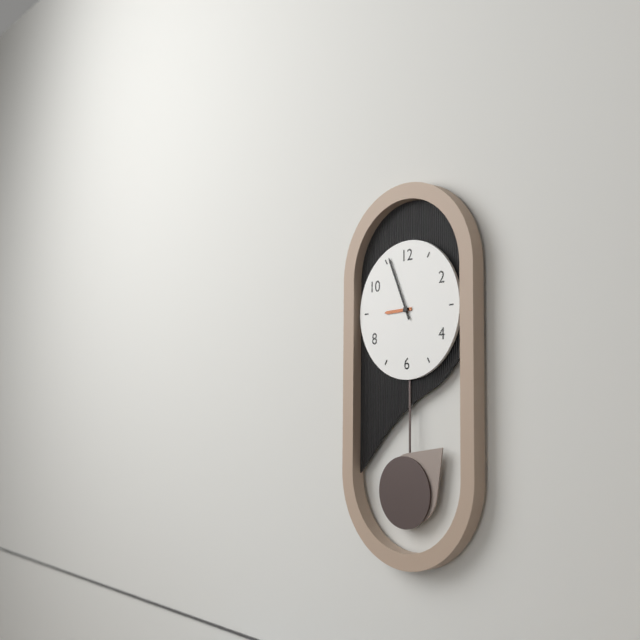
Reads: 8 h 56 min
